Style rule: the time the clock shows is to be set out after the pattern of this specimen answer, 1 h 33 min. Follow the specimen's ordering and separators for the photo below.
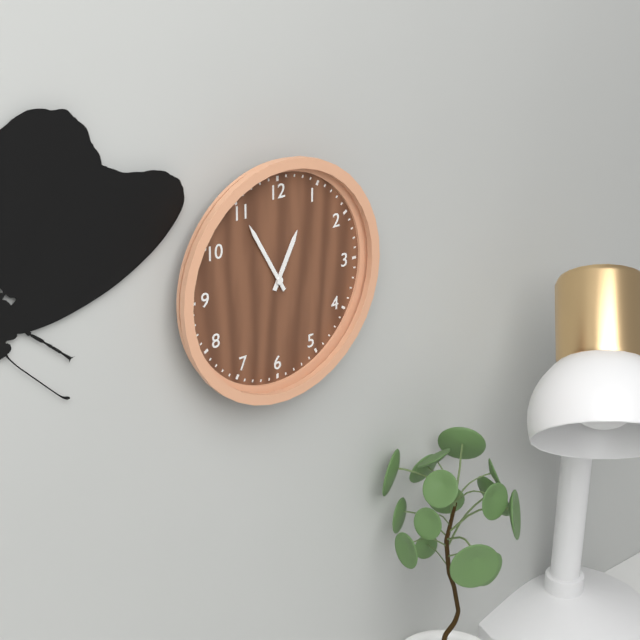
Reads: 12 h 55 min
